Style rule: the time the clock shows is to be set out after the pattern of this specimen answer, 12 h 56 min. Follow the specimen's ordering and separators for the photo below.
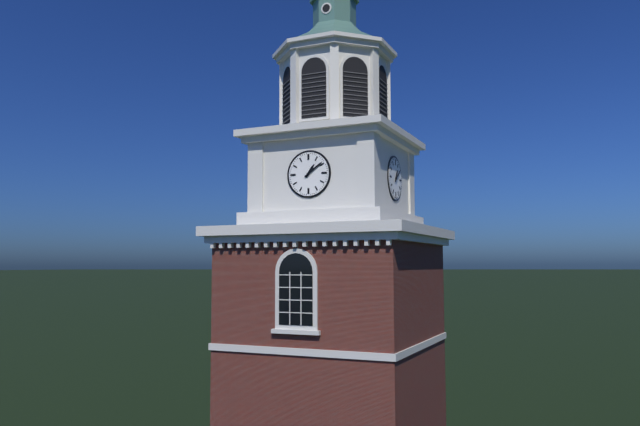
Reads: 1 h 09 min
